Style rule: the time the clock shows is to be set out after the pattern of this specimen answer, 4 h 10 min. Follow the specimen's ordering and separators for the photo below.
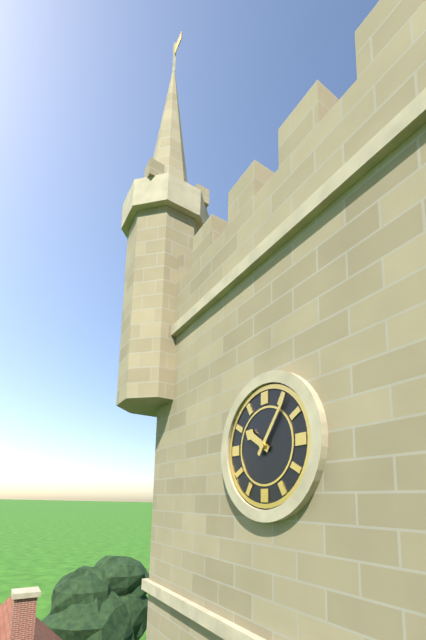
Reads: 10 h 06 min
